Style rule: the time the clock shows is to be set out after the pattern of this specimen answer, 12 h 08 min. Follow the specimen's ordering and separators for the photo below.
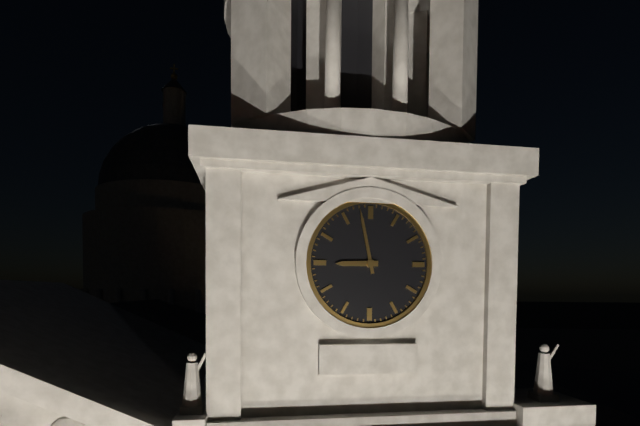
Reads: 8 h 58 min
